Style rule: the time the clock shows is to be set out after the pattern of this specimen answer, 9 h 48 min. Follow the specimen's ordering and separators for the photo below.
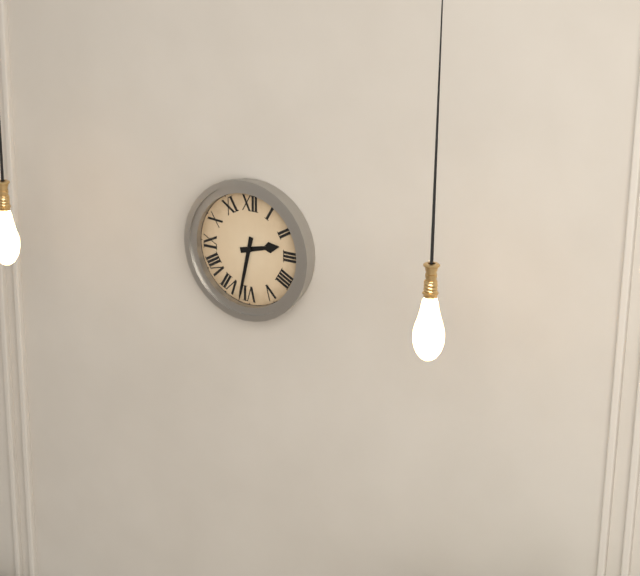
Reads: 2 h 32 min
